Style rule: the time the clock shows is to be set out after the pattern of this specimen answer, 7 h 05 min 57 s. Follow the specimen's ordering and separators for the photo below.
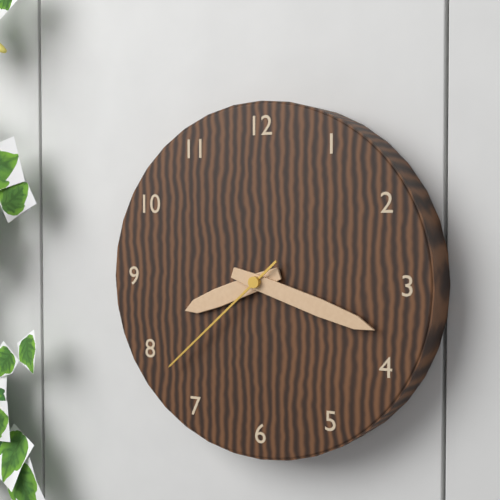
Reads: 8 h 18 min 38 s
